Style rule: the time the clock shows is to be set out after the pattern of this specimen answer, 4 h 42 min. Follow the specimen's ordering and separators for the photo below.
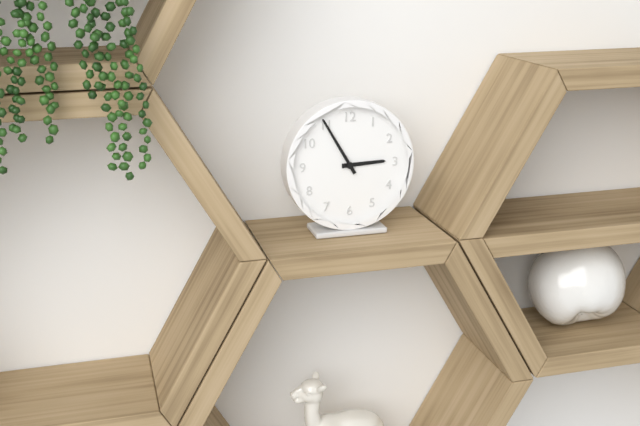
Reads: 2 h 55 min
